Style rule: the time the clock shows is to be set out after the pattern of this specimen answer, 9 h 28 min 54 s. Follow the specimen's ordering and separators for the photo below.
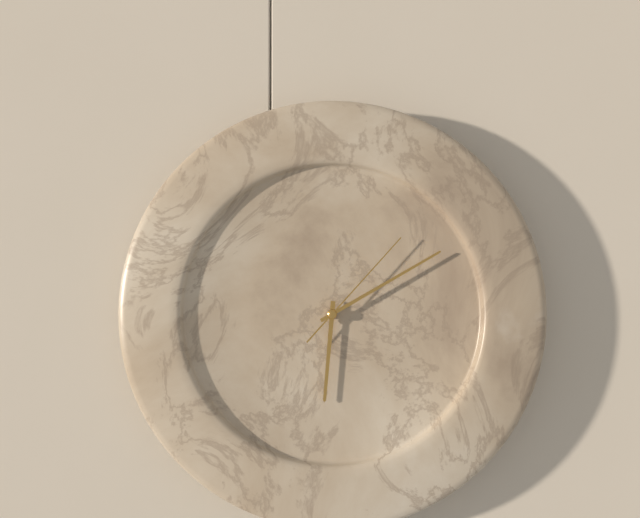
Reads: 6 h 10 min 07 s
